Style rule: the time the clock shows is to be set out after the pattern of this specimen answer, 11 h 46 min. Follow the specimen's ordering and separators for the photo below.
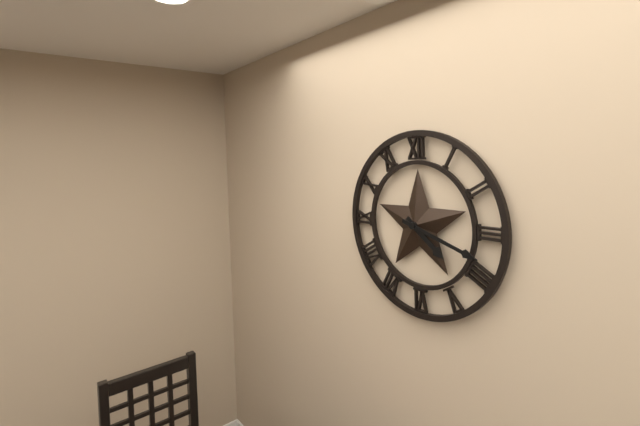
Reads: 4 h 18 min
